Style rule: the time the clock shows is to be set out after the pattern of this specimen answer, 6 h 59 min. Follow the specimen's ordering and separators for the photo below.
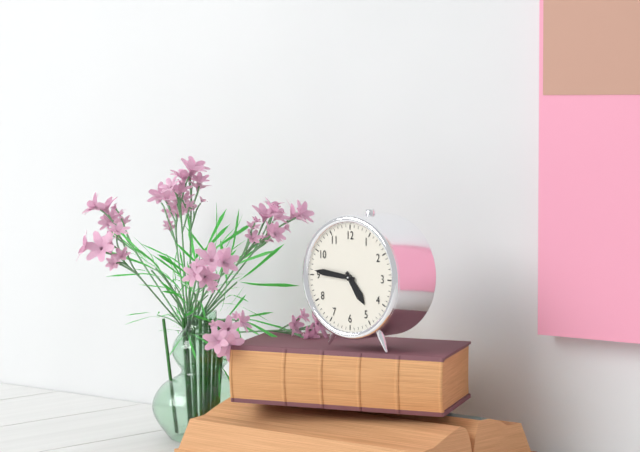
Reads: 4 h 46 min
